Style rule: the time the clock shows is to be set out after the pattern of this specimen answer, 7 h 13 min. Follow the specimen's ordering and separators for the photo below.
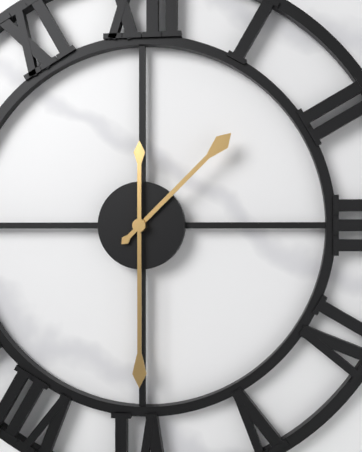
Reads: 1 h 30 min
